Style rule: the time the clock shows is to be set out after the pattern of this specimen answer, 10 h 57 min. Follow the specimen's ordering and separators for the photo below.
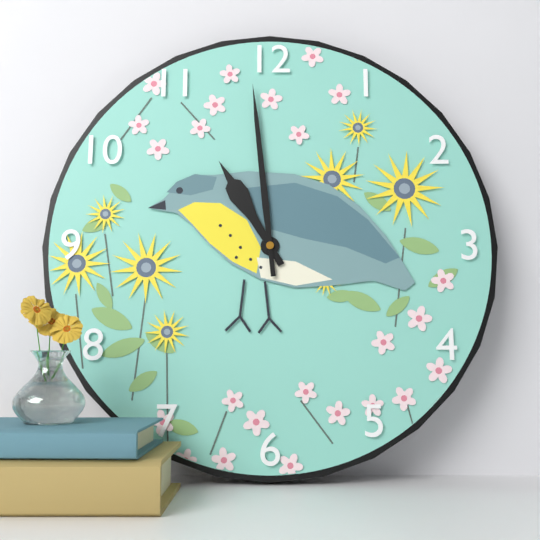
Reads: 10 h 59 min
